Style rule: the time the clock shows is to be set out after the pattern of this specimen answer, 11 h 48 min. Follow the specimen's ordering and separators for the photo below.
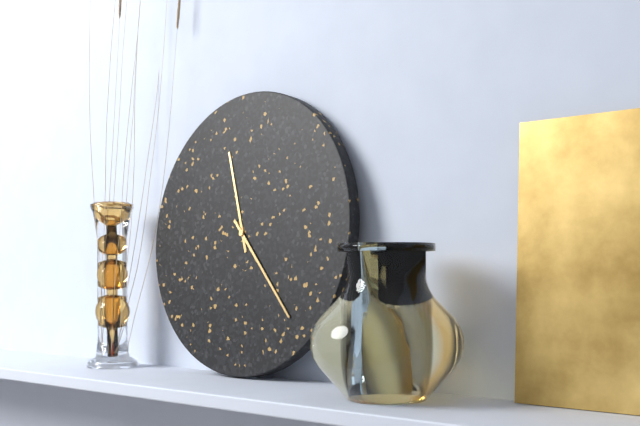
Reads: 11 h 23 min
